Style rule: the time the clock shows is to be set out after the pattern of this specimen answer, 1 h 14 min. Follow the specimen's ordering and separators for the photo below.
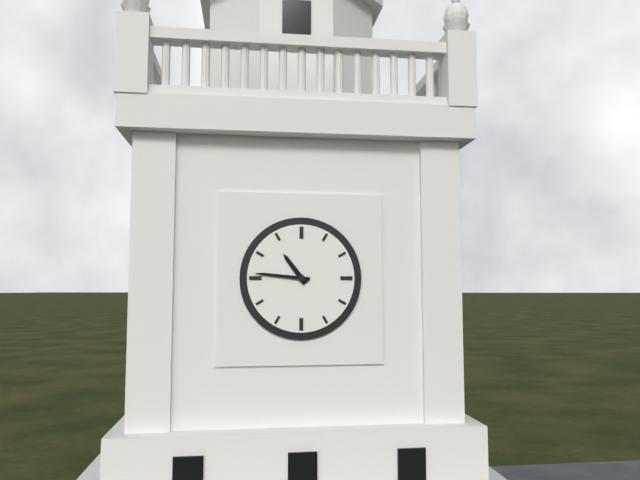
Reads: 10 h 46 min
